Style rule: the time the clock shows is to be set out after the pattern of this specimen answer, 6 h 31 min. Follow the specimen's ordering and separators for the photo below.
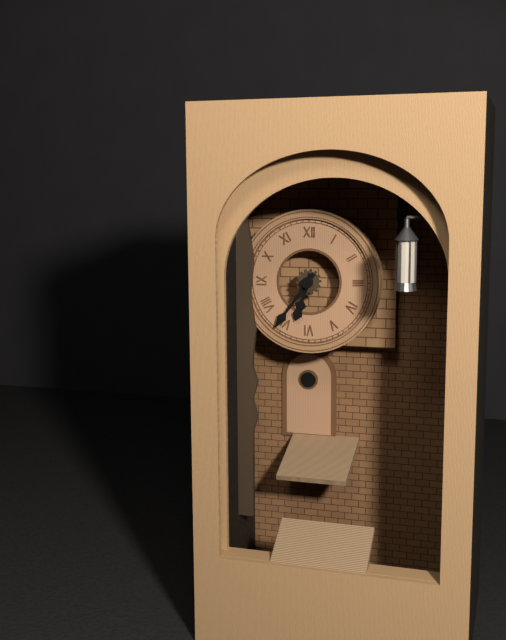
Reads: 6 h 36 min
